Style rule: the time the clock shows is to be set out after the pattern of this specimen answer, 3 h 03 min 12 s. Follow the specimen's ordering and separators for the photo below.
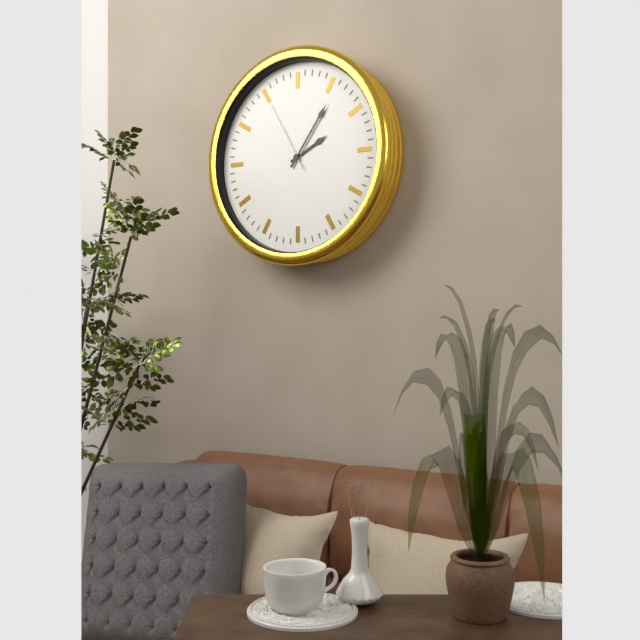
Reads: 2 h 06 min 55 s
